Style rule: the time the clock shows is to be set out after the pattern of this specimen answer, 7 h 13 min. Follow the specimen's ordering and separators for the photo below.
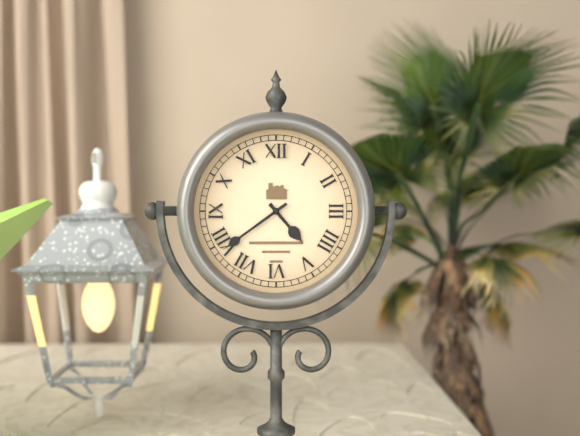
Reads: 4 h 39 min
